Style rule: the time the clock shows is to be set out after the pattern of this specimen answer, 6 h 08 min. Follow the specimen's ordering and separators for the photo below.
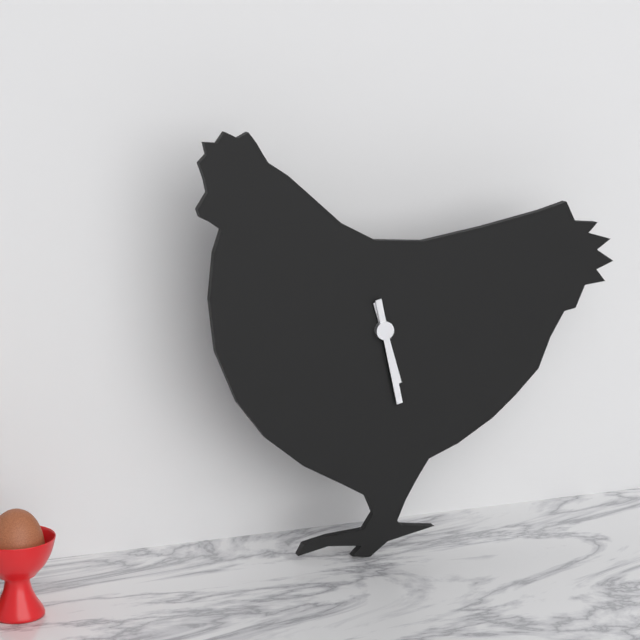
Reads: 5 h 28 min
